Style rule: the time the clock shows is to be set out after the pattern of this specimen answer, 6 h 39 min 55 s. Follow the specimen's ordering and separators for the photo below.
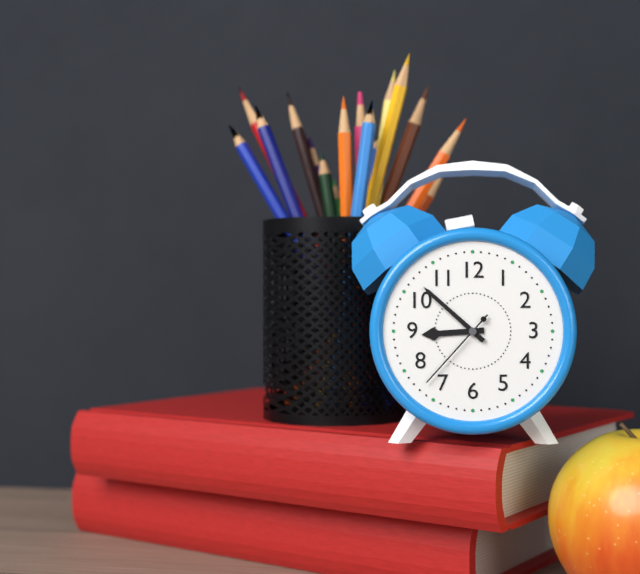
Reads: 8 h 52 min 37 s
